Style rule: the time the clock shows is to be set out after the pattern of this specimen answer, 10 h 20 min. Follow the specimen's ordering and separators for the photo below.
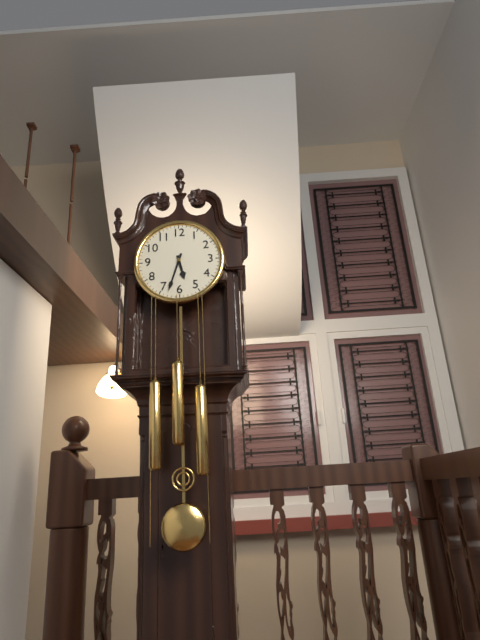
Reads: 5 h 33 min
